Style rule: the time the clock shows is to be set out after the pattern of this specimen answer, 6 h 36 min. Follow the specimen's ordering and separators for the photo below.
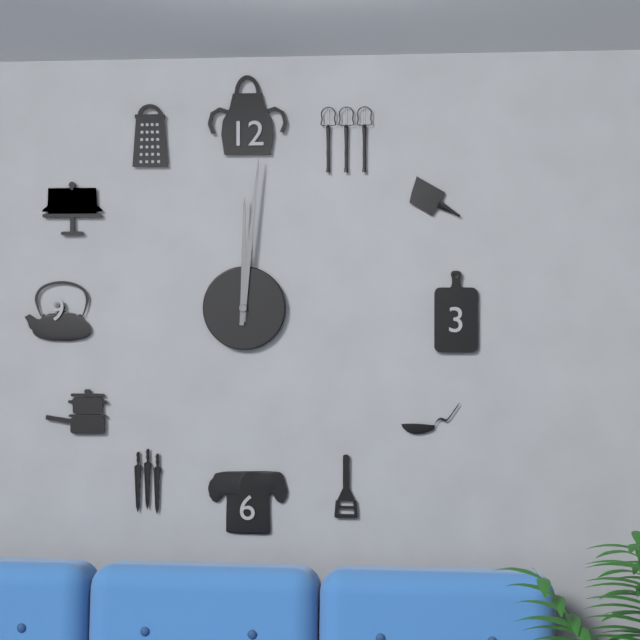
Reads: 12 h 01 min
